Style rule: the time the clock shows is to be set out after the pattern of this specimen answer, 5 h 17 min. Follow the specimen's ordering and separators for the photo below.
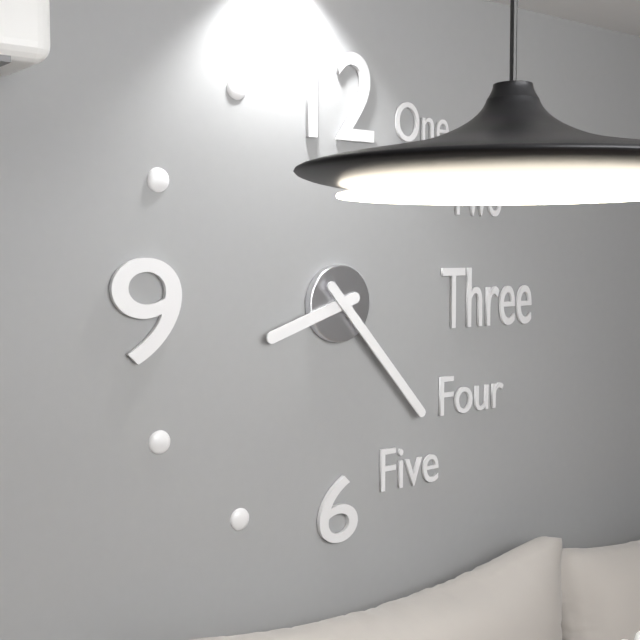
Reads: 8 h 23 min
